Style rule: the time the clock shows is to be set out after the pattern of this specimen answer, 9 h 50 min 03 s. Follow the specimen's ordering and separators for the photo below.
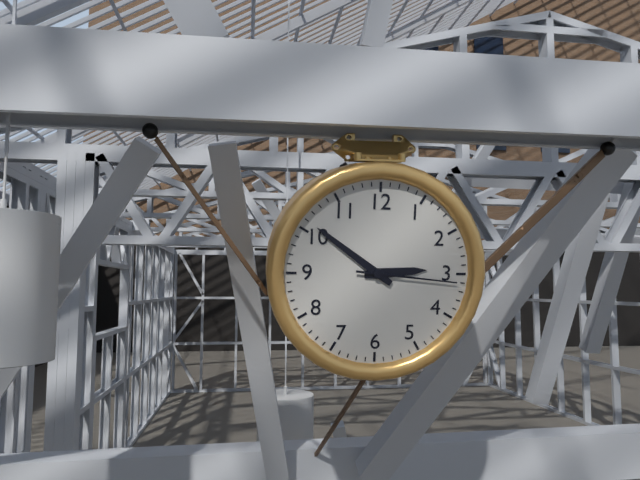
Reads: 2 h 51 min 16 s
